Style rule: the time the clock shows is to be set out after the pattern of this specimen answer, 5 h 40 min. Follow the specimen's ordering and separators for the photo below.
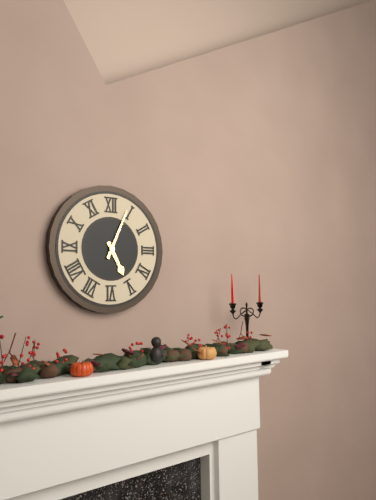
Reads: 5 h 04 min
